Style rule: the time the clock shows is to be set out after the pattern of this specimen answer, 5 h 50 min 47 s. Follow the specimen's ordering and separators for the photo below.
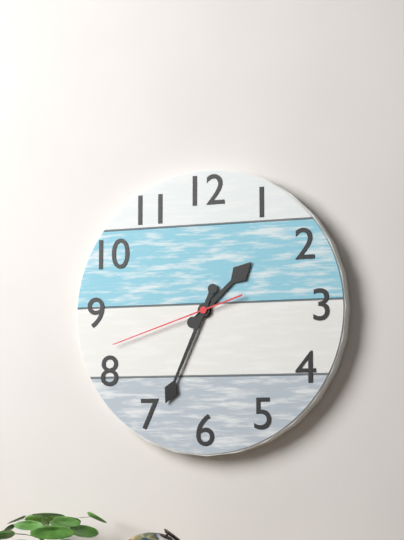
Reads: 1 h 34 min 42 s
